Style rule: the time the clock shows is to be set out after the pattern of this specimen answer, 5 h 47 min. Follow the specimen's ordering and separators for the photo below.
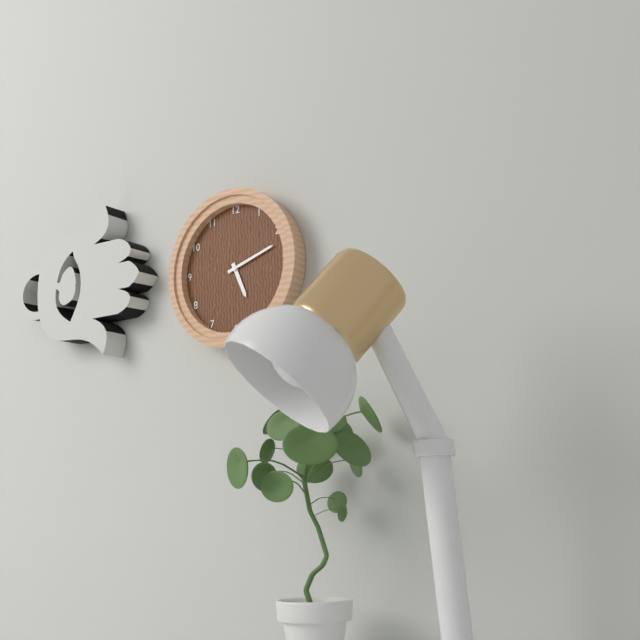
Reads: 5 h 12 min
